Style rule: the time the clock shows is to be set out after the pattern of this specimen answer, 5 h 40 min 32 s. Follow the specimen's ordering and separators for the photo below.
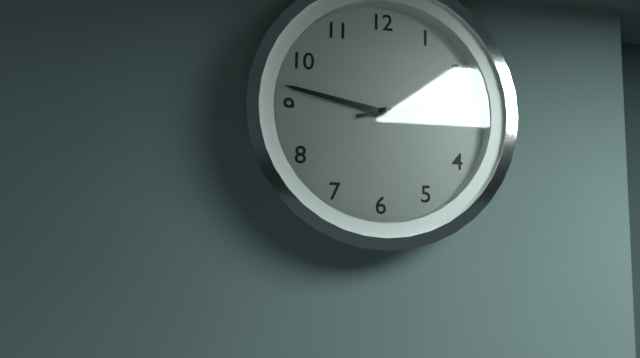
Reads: 2 h 47 min 13 s
